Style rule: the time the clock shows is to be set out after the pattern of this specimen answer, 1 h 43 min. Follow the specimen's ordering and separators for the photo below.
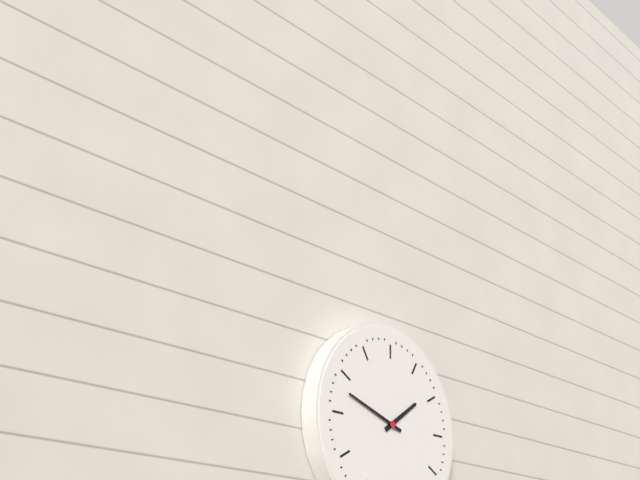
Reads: 1 h 48 min
